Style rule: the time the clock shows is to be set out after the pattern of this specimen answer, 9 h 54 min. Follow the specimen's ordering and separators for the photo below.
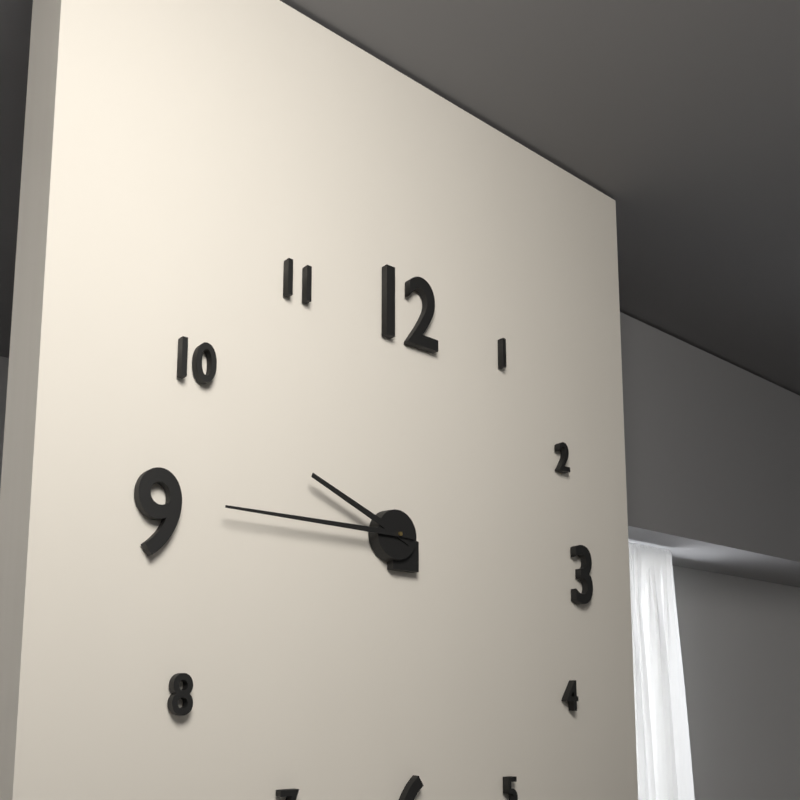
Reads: 9 h 45 min
